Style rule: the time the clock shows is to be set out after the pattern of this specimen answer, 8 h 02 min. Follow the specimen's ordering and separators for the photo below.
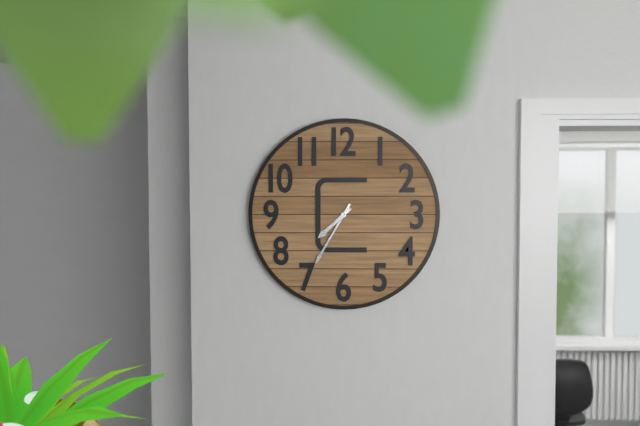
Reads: 7 h 35 min
